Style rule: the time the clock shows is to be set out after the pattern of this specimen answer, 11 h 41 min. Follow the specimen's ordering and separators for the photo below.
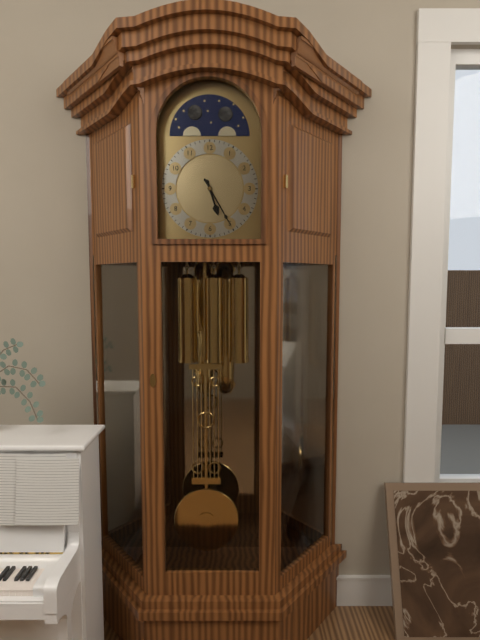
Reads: 5 h 25 min
